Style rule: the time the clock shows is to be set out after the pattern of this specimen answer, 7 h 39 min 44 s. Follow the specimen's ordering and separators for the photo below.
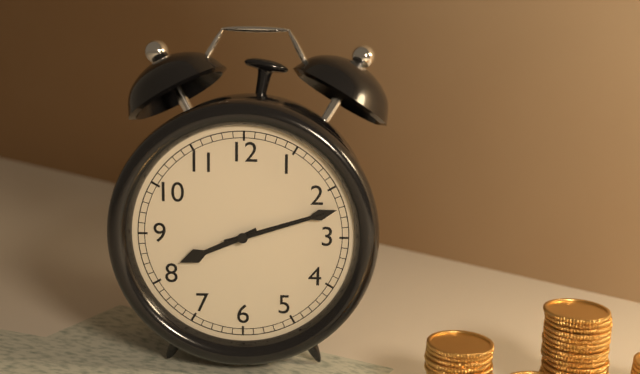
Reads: 8 h 12 min 12 s
